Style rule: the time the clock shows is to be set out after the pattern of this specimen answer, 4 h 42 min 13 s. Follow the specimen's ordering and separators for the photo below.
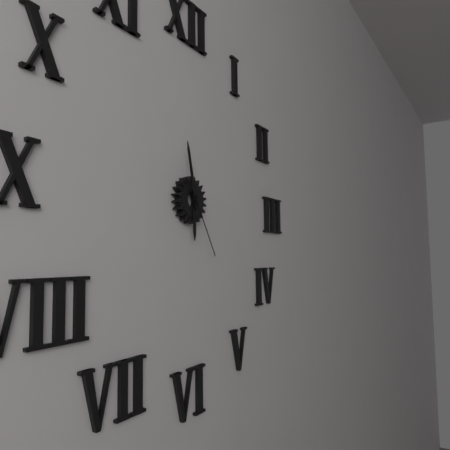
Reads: 5 h 58 min 25 s
